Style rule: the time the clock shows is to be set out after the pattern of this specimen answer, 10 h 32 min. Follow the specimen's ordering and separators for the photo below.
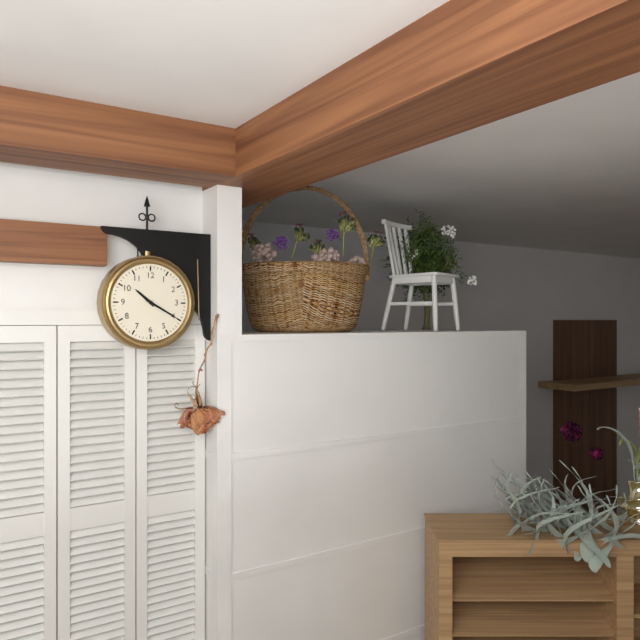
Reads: 10 h 20 min
